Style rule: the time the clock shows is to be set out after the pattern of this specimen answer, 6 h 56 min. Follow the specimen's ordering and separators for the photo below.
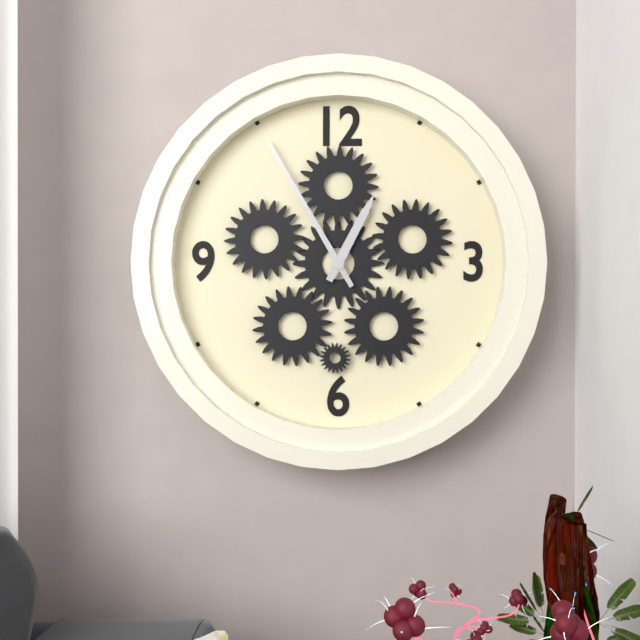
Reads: 12 h 55 min
